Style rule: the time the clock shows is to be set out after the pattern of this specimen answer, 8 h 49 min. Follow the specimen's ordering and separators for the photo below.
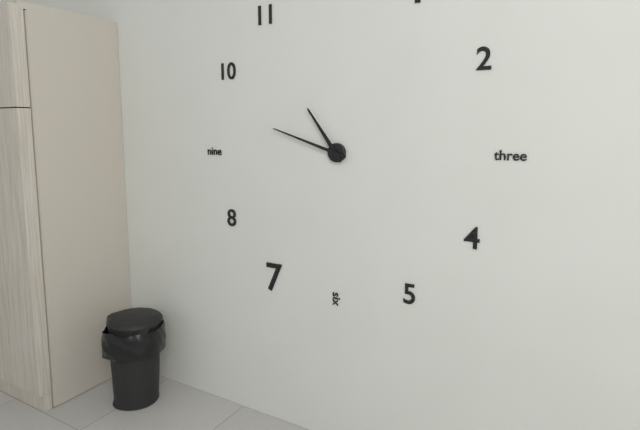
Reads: 10 h 48 min
